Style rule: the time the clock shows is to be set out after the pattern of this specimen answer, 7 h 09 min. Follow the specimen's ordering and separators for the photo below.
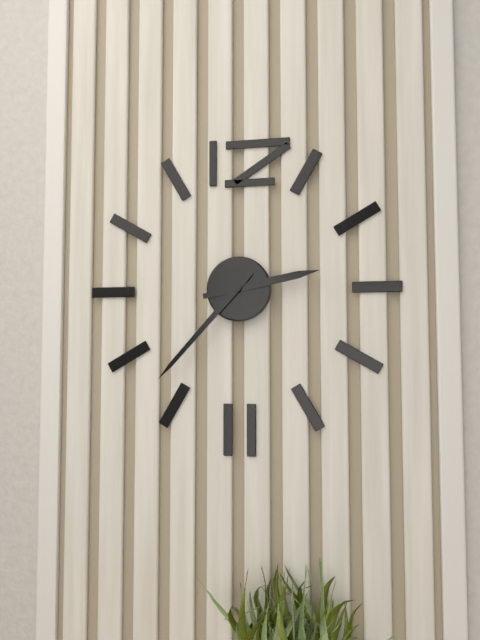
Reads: 2 h 37 min
